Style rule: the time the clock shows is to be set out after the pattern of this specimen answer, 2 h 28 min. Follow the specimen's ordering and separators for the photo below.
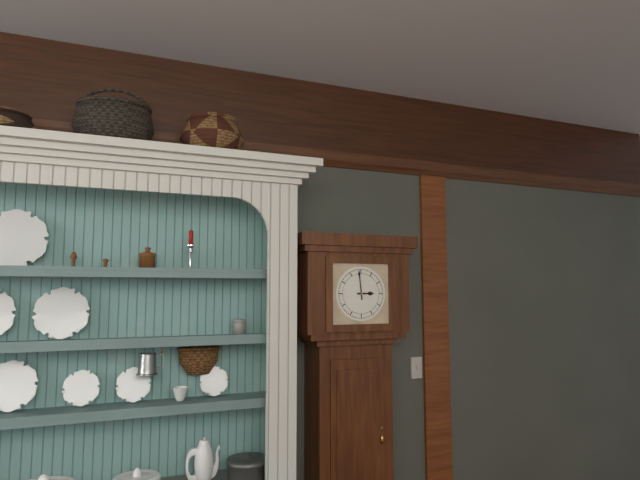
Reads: 2 h 59 min
